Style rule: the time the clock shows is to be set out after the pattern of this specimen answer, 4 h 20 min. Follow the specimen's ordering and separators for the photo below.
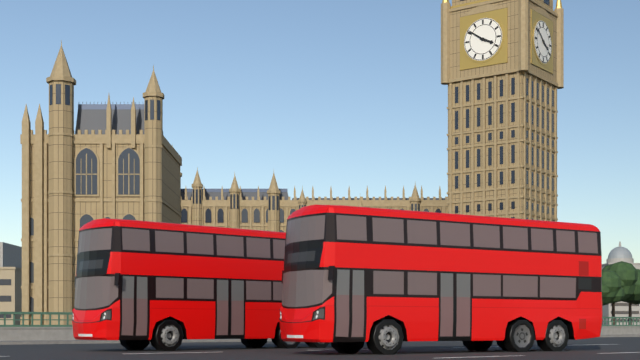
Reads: 3 h 51 min
